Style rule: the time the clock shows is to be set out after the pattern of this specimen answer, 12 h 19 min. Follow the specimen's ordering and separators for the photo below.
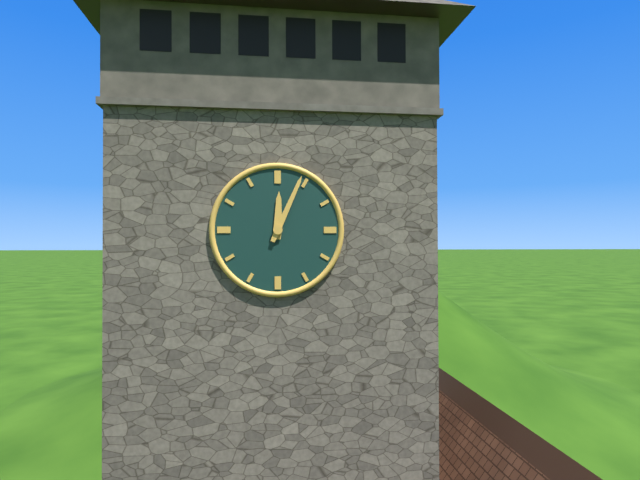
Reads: 12 h 04 min
